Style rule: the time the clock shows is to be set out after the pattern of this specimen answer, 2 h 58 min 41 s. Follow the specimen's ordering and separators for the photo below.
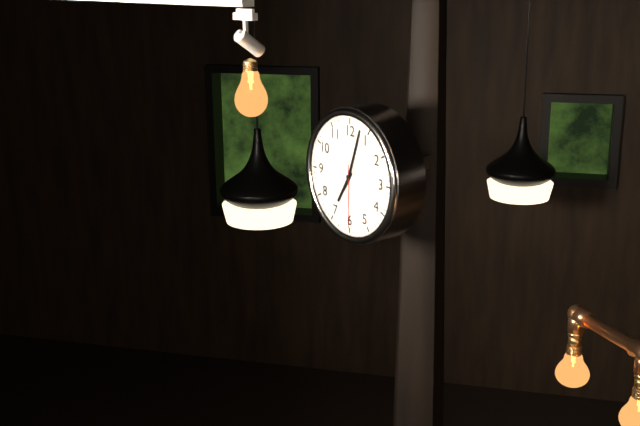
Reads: 7 h 03 min 30 s
